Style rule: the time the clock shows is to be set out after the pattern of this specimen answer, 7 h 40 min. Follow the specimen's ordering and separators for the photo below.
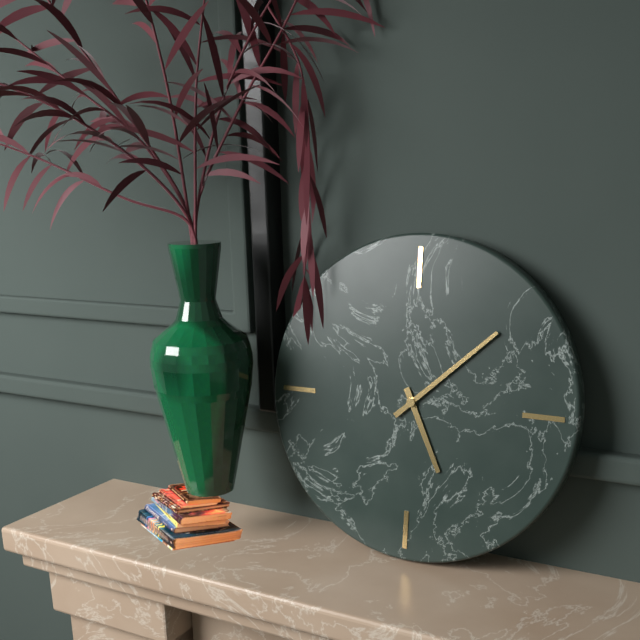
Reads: 5 h 08 min
